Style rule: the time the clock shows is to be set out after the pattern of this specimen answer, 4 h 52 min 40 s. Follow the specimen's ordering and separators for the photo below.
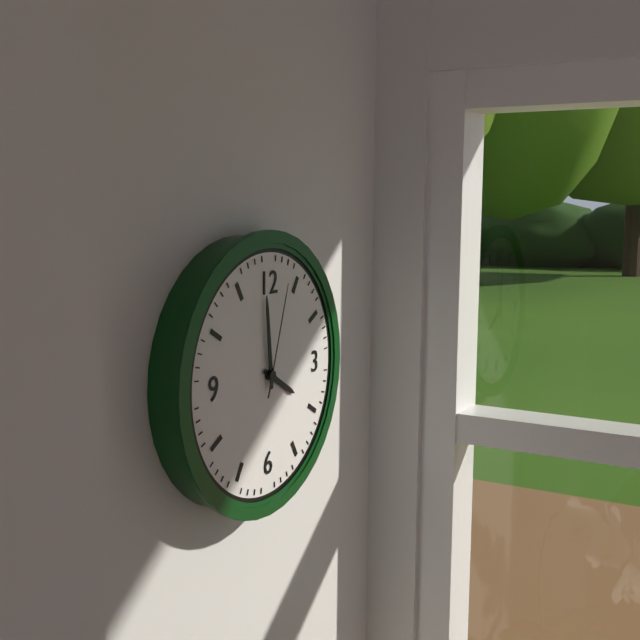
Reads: 3 h 59 min 03 s
